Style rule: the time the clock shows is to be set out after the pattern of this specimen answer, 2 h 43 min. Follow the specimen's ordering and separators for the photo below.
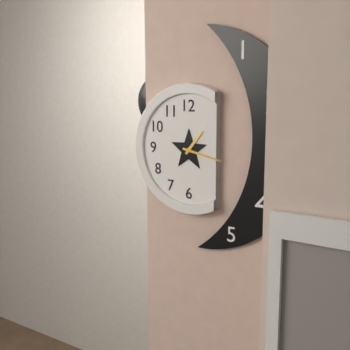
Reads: 1 h 17 min
